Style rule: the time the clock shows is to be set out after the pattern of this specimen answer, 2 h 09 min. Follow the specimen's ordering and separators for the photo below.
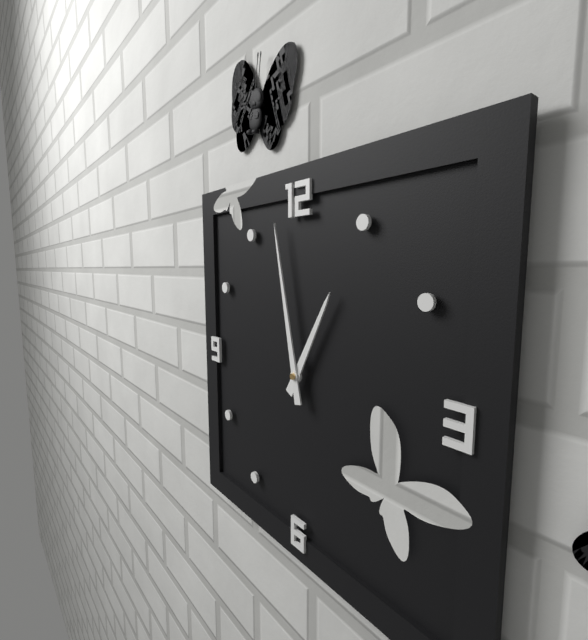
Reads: 12 h 58 min
